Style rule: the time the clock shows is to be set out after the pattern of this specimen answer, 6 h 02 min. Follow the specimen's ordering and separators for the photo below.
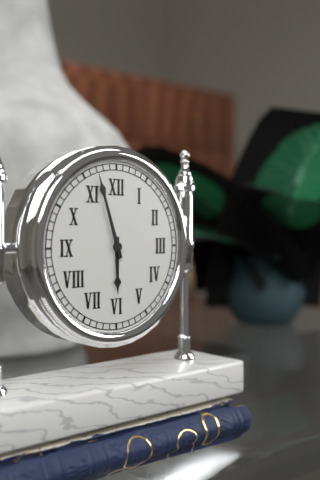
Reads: 5 h 57 min
